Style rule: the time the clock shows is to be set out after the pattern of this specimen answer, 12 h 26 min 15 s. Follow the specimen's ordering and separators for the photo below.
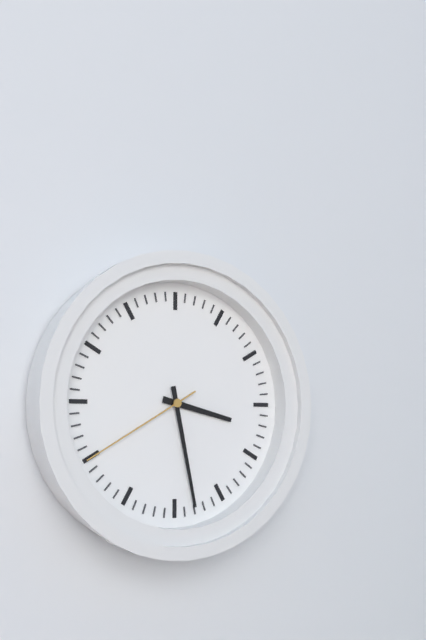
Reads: 3 h 28 min 40 s
